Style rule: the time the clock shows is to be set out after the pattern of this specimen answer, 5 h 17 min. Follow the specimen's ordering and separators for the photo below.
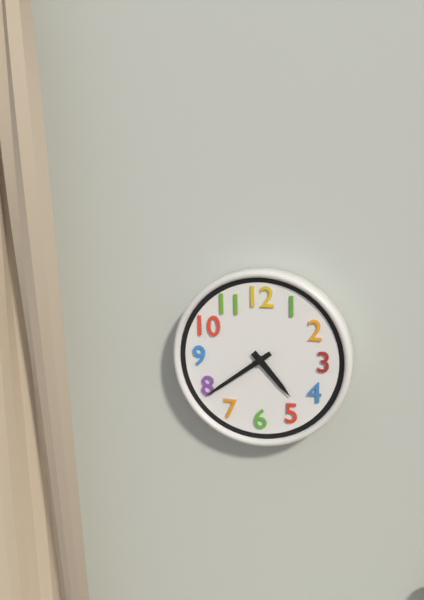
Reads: 4 h 39 min
